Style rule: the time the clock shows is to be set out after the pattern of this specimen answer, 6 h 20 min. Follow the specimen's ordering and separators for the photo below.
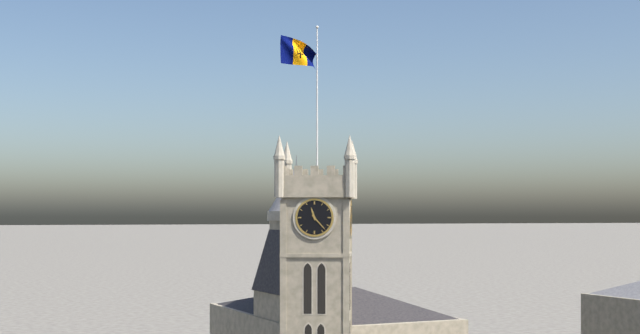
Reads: 11 h 23 min
